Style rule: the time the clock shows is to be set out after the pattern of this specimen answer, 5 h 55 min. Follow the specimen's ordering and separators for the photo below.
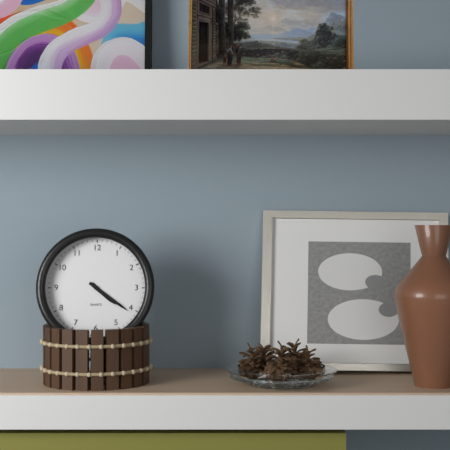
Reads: 4 h 21 min
